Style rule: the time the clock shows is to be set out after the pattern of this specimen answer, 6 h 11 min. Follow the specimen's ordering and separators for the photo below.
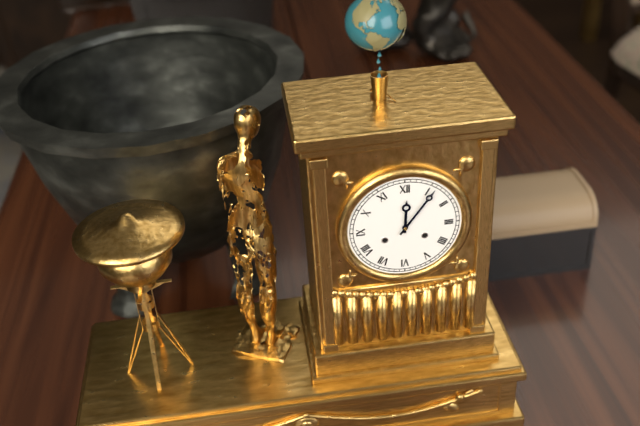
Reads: 12 h 06 min
